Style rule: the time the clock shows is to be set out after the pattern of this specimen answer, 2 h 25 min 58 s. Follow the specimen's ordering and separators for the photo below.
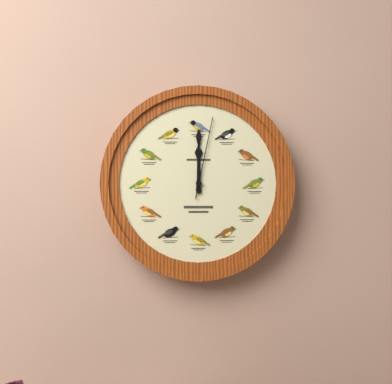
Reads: 12 h 00 min 02 s
